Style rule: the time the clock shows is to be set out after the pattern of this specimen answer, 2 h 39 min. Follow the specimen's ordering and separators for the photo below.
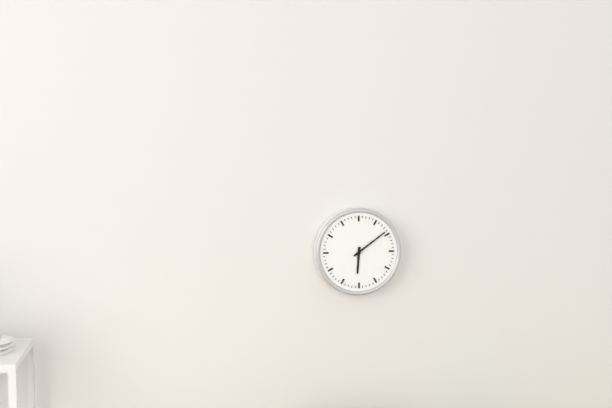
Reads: 6 h 09 min
